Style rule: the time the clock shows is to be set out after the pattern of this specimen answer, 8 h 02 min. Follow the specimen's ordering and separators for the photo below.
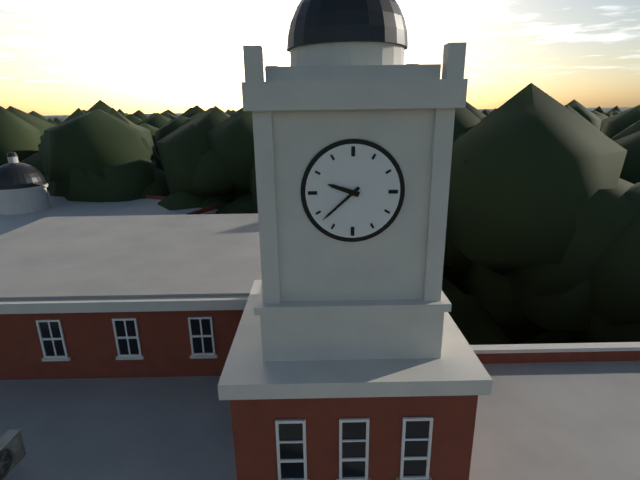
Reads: 9 h 38 min
